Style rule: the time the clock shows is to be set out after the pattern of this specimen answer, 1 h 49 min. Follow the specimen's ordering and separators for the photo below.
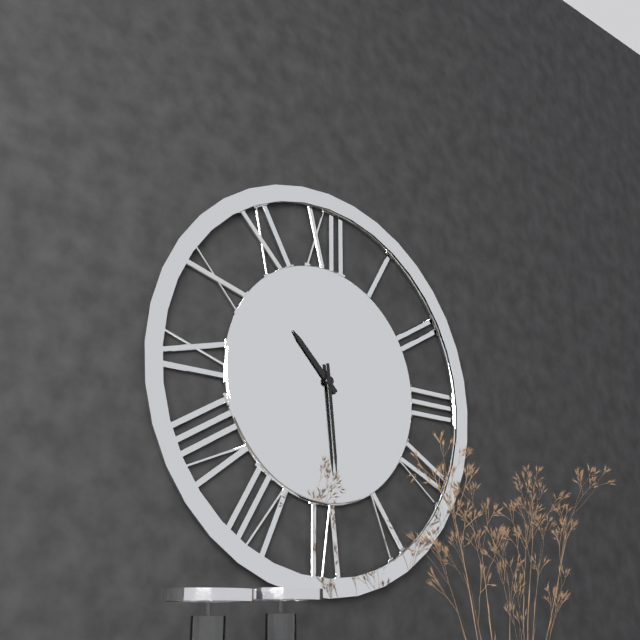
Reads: 10 h 29 min
